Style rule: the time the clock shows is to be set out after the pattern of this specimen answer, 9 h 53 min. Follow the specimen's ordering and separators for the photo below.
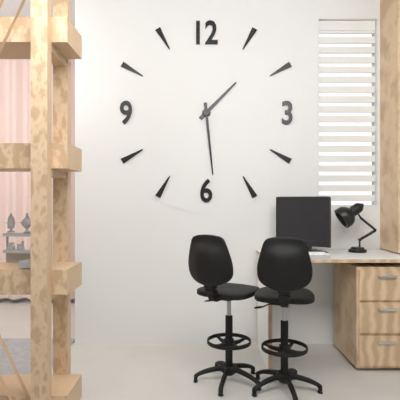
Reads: 1 h 29 min
